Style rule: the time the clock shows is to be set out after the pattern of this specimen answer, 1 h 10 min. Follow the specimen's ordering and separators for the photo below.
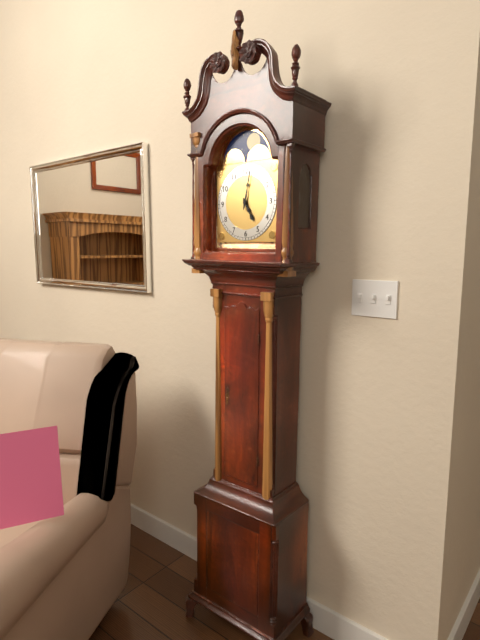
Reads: 5 h 02 min
